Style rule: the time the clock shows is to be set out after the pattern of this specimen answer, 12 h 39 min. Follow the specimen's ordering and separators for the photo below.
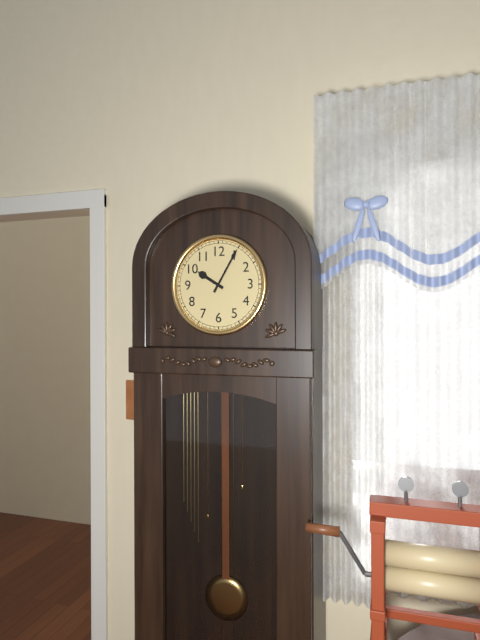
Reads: 10 h 05 min
